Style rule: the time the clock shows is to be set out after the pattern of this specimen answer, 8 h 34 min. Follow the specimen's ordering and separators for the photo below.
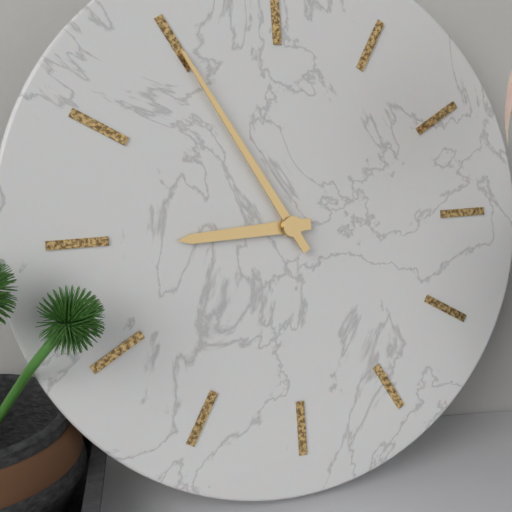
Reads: 8 h 55 min
